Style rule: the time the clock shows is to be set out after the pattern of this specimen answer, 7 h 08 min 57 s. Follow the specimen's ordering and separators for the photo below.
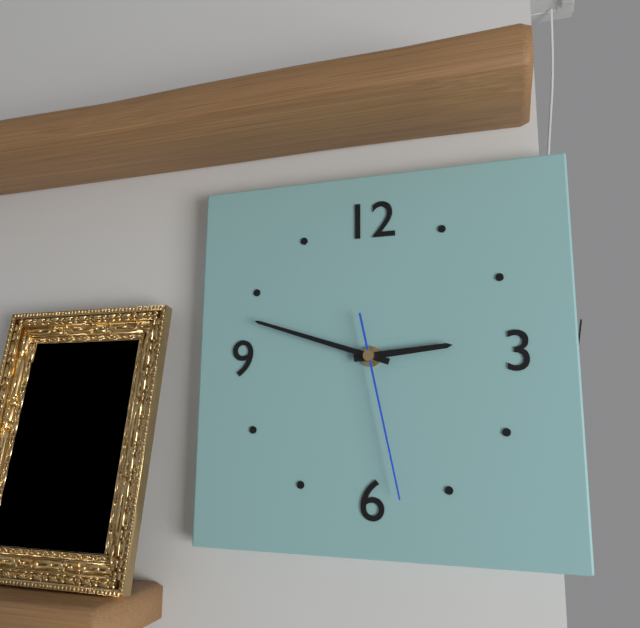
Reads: 2 h 48 min 28 s
